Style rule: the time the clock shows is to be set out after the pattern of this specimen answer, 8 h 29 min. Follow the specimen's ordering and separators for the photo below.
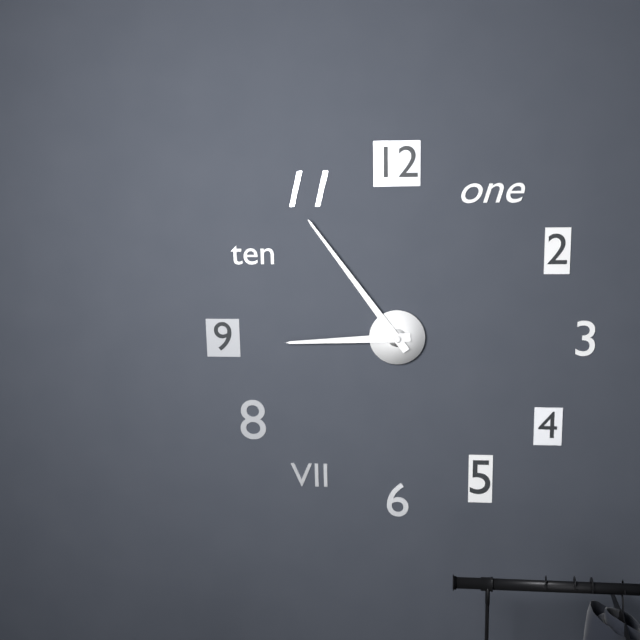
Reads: 8 h 54 min
